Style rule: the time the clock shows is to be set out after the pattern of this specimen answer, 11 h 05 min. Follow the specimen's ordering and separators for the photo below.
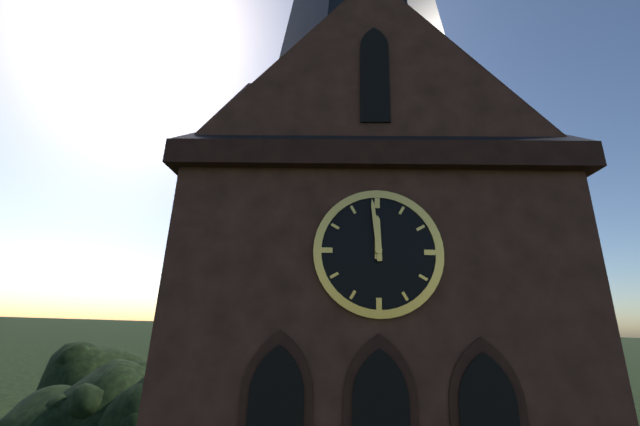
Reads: 11 h 59 min
